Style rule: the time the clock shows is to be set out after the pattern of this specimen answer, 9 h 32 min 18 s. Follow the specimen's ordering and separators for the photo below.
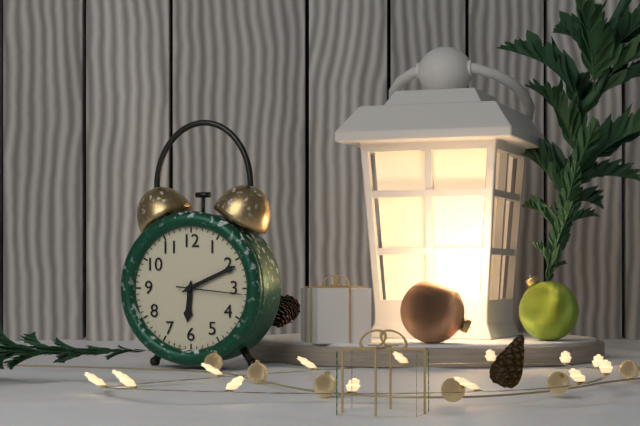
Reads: 6 h 11 min 16 s
